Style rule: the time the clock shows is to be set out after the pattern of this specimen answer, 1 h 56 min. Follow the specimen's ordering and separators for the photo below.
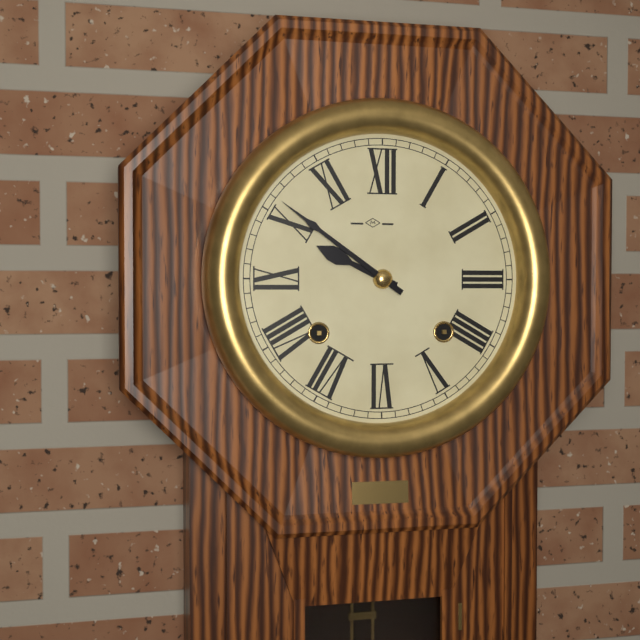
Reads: 9 h 51 min
